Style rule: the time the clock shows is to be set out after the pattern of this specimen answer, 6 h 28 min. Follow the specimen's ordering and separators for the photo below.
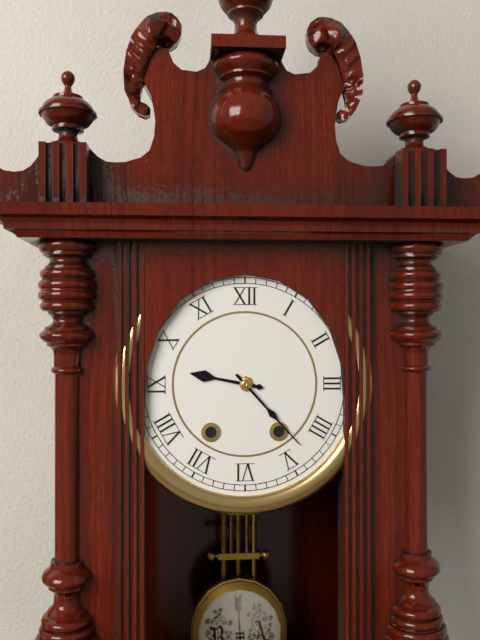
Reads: 9 h 23 min
